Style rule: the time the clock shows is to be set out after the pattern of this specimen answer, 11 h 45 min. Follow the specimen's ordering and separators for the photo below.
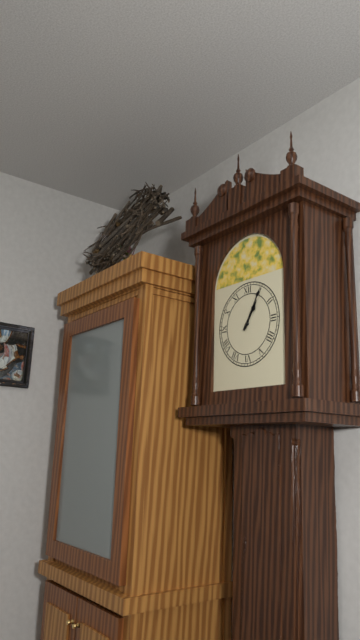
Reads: 1 h 05 min
